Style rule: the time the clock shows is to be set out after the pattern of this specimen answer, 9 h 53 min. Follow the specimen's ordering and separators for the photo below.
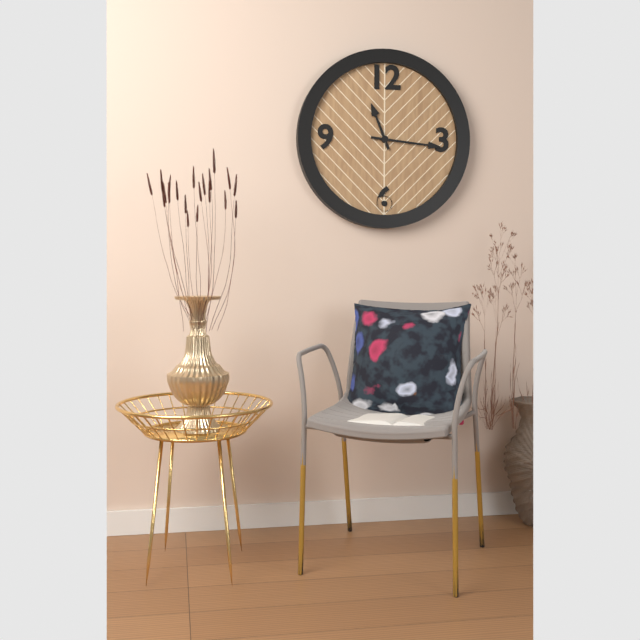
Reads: 11 h 16 min
